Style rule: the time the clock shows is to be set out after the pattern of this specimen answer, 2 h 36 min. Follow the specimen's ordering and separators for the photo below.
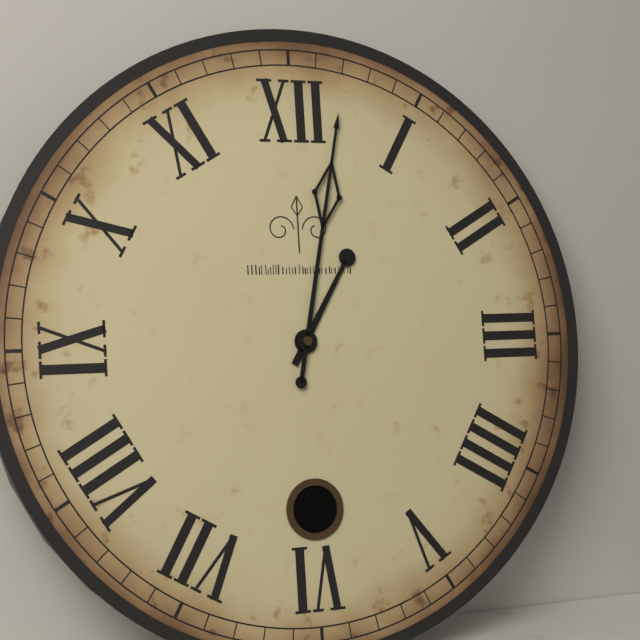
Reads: 1 h 02 min
